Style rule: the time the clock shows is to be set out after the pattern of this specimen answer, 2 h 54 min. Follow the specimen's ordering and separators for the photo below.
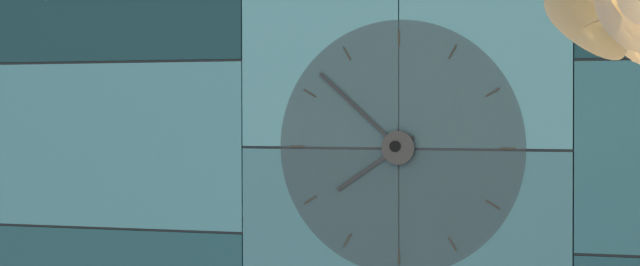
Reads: 7 h 52 min
